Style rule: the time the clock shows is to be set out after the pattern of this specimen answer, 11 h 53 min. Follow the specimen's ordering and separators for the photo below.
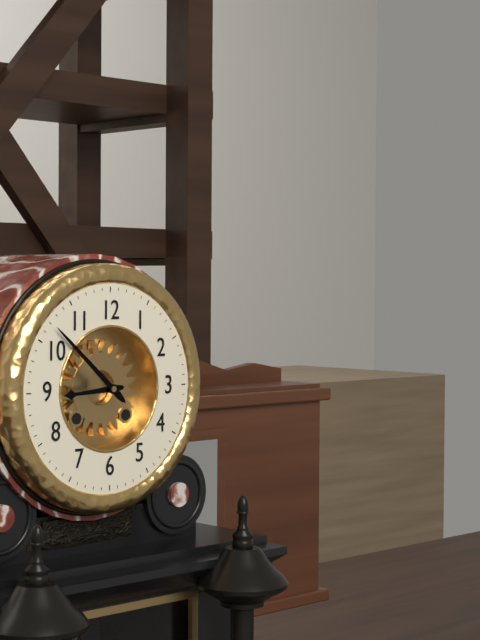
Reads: 8 h 52 min
